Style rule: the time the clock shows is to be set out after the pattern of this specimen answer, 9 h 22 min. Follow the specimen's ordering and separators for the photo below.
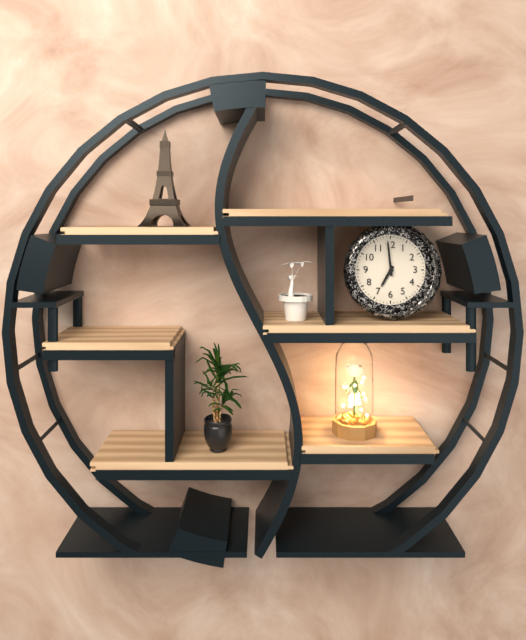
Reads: 6 h 59 min
